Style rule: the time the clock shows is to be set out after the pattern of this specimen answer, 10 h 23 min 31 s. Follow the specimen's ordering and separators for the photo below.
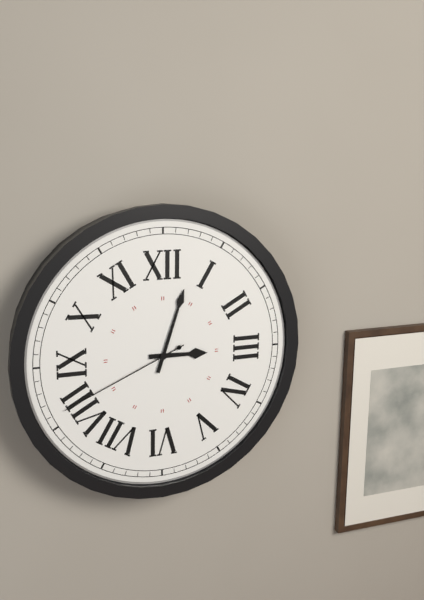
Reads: 3 h 03 min 41 s
